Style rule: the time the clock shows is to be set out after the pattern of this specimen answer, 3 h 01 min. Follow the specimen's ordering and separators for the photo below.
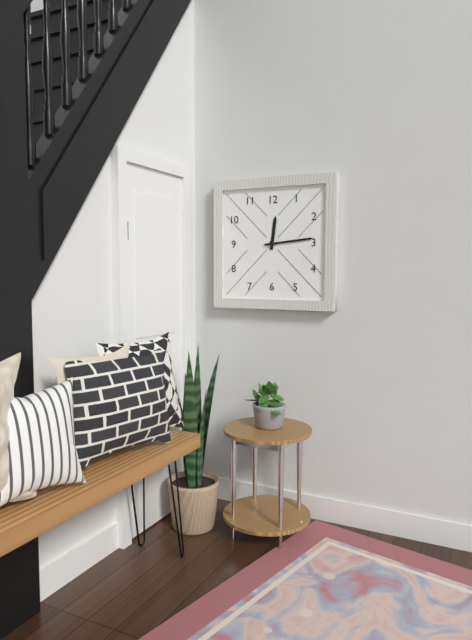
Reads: 12 h 14 min
